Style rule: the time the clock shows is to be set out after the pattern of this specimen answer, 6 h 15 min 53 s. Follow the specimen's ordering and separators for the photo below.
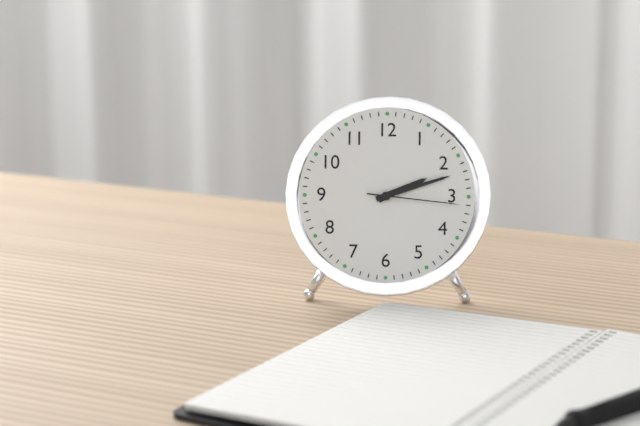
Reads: 2 h 12 min 16 s
